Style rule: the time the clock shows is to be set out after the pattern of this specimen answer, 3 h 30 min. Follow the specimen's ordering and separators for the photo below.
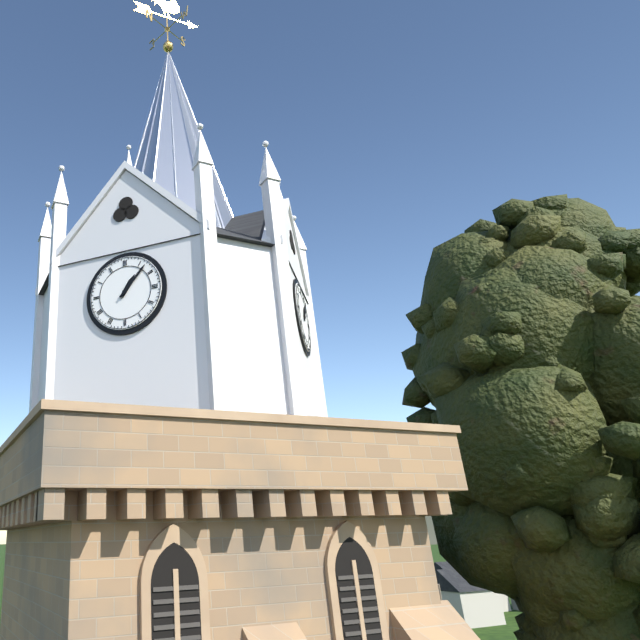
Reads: 1 h 07 min
